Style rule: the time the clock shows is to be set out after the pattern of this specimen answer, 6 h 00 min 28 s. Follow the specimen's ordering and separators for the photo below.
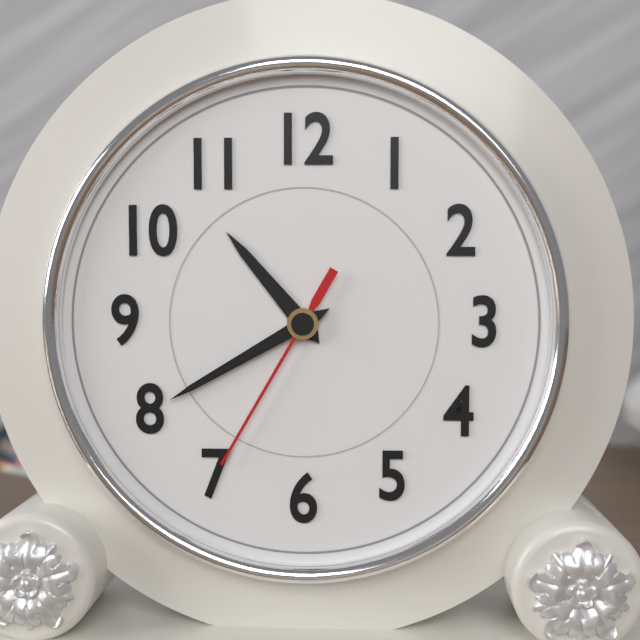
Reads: 10 h 40 min 35 s
